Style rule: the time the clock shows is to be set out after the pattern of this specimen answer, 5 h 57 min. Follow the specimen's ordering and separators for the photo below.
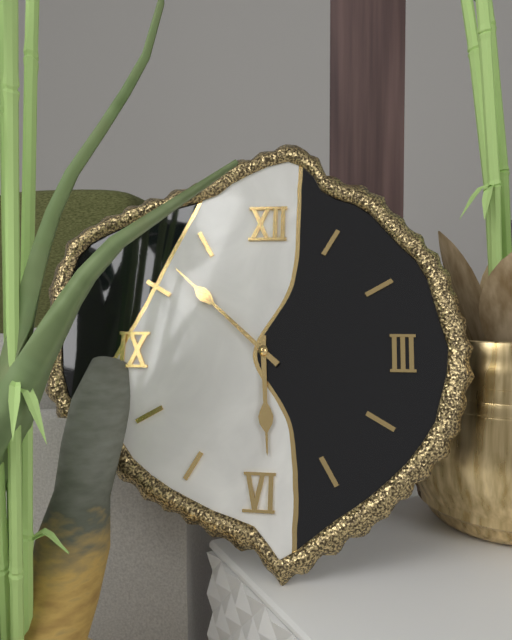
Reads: 5 h 52 min
